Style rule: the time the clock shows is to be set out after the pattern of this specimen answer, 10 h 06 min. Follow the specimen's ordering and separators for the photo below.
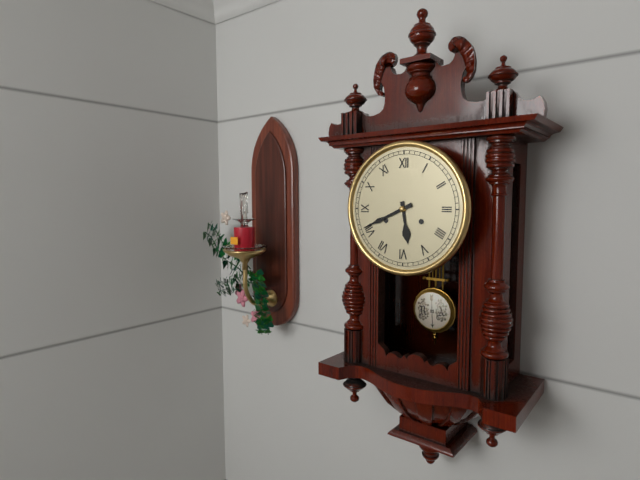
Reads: 5 h 41 min
